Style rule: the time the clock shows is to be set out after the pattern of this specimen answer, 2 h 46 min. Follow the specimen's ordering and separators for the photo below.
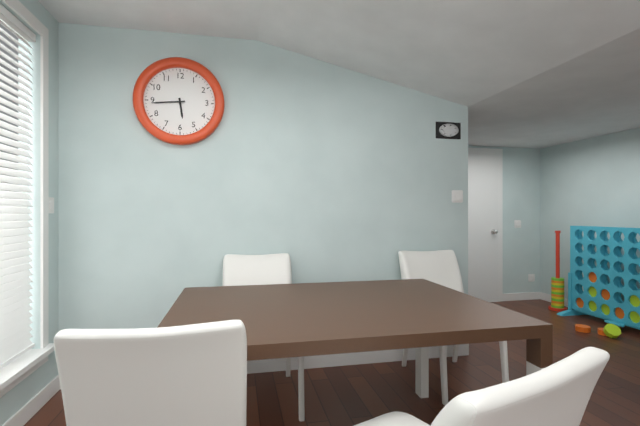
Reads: 5 h 44 min
